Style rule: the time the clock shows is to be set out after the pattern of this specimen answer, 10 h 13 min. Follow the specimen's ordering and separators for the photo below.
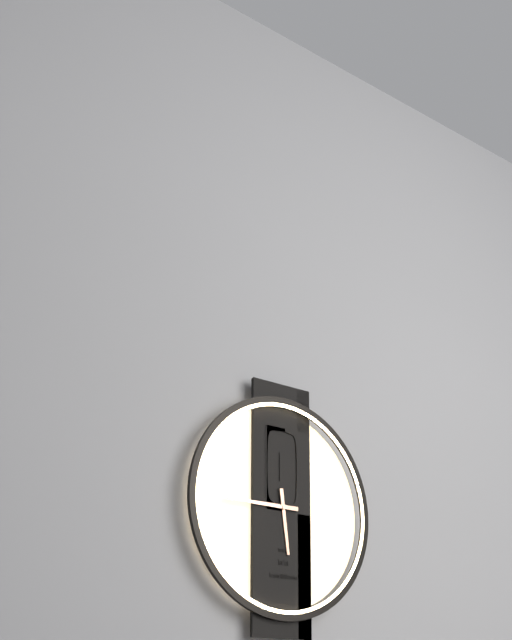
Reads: 5 h 45 min
